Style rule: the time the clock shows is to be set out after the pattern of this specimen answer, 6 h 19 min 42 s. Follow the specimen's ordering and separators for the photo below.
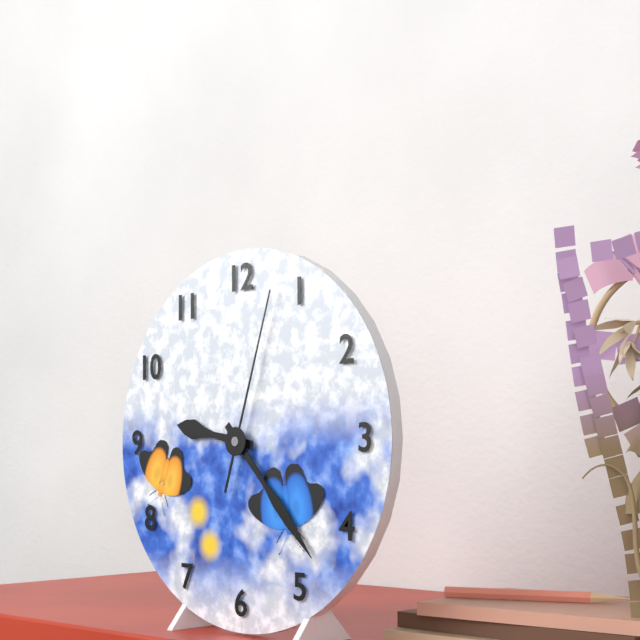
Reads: 9 h 23 min 03 s
